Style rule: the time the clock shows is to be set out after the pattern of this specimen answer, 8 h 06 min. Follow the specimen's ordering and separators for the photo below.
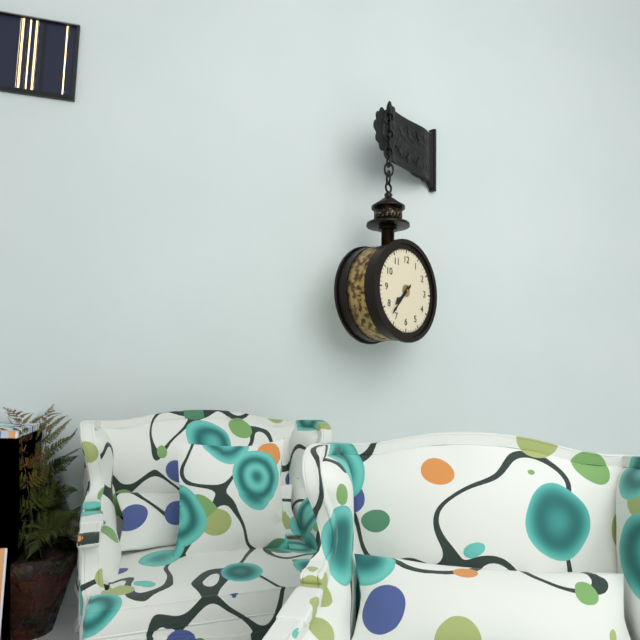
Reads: 7 h 37 min
